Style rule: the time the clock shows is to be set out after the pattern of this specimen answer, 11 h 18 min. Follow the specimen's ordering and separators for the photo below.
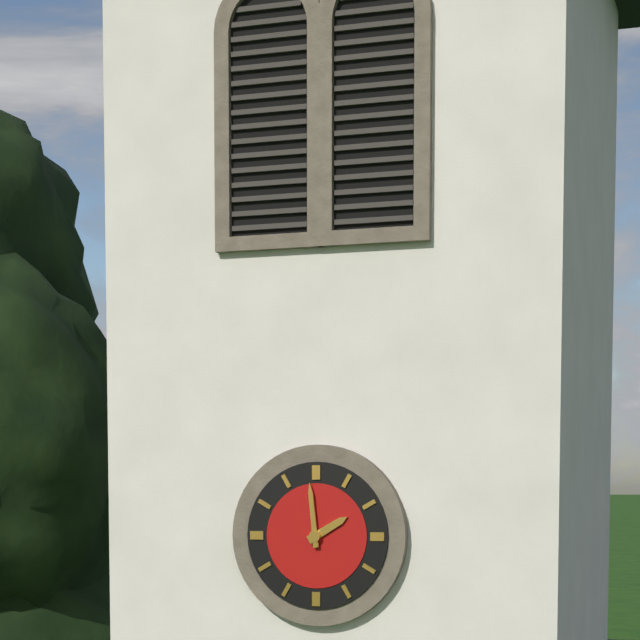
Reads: 1 h 59 min
